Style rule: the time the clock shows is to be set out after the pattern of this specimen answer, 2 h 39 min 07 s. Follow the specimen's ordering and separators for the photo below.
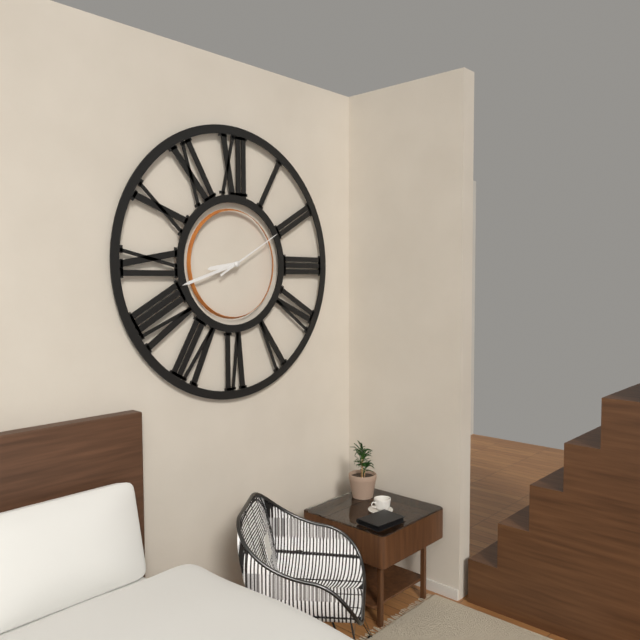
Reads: 8 h 42 min 10 s
